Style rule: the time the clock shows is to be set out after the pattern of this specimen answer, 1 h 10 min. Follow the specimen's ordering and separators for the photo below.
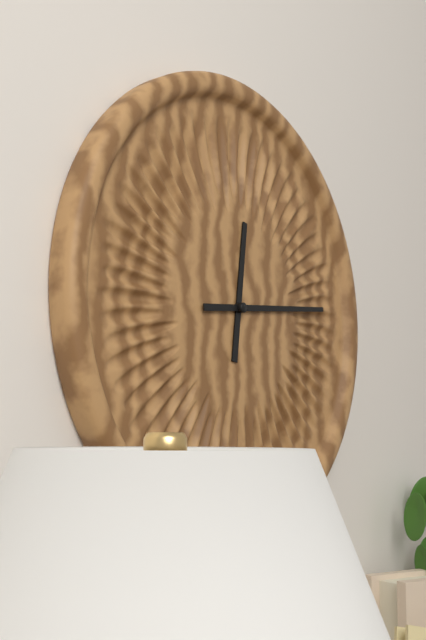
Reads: 12 h 14 min
